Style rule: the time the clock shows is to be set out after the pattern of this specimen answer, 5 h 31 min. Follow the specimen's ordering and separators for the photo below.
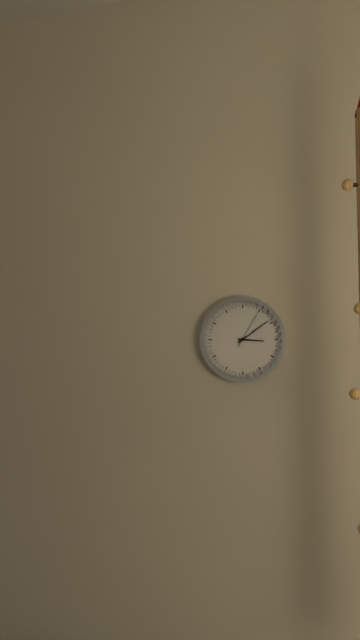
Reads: 3 h 09 min
